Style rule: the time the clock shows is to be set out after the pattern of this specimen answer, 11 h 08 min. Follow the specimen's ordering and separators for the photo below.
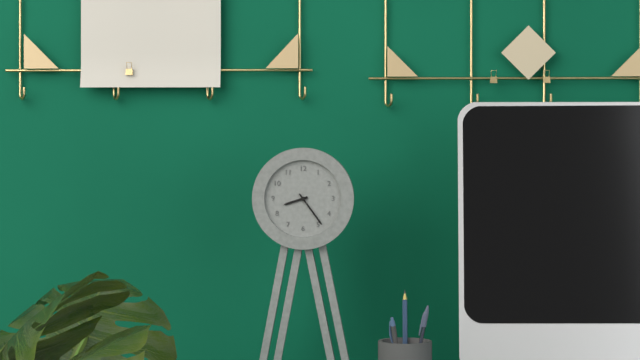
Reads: 8 h 24 min
